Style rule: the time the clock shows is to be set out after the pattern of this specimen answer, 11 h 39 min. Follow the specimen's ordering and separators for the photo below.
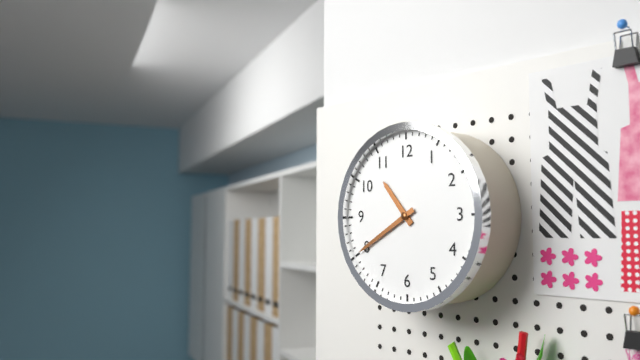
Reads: 10 h 40 min
